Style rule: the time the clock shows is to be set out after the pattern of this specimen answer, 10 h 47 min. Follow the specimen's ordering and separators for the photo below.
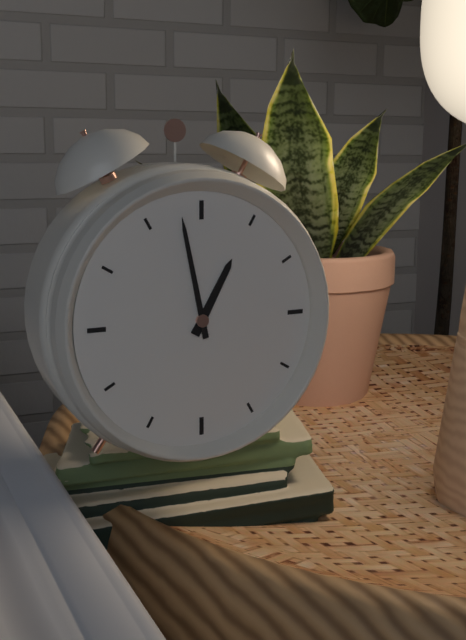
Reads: 12 h 58 min
